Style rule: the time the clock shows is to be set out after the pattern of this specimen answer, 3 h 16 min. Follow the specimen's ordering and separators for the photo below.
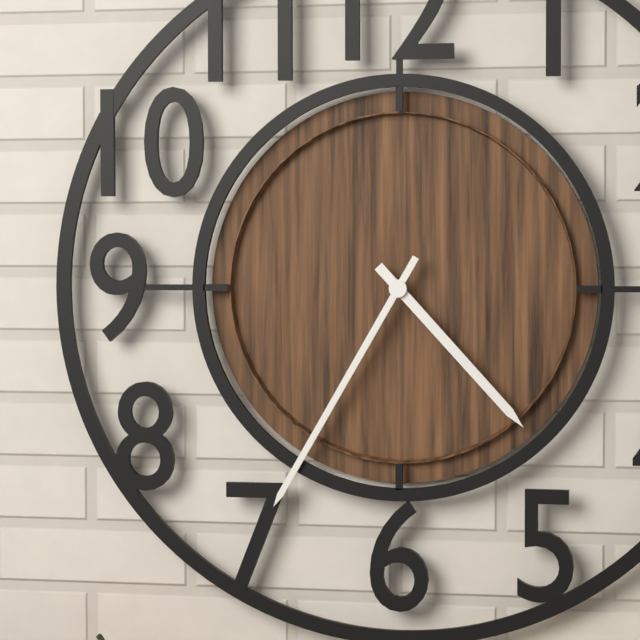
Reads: 4 h 35 min
